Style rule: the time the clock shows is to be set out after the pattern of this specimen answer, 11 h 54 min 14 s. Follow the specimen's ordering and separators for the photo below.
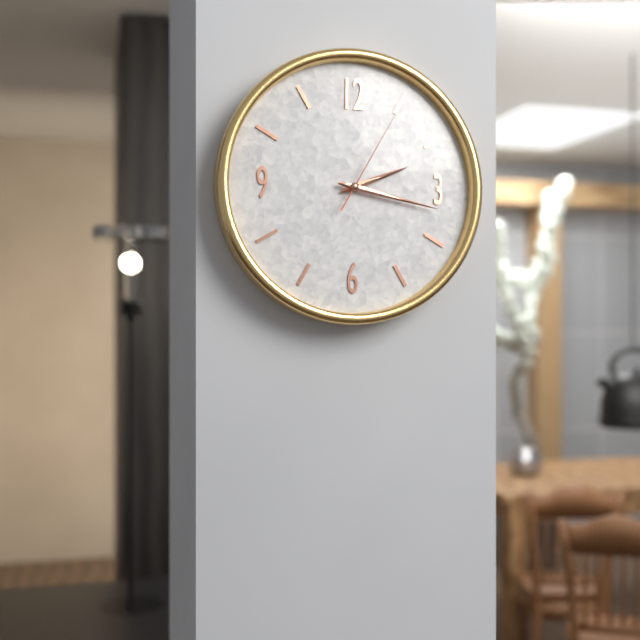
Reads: 2 h 17 min 05 s
